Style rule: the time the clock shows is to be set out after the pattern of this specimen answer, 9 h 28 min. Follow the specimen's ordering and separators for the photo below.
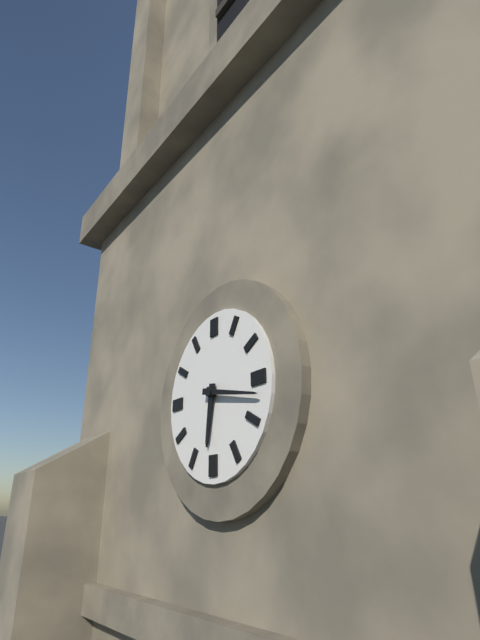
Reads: 6 h 17 min
